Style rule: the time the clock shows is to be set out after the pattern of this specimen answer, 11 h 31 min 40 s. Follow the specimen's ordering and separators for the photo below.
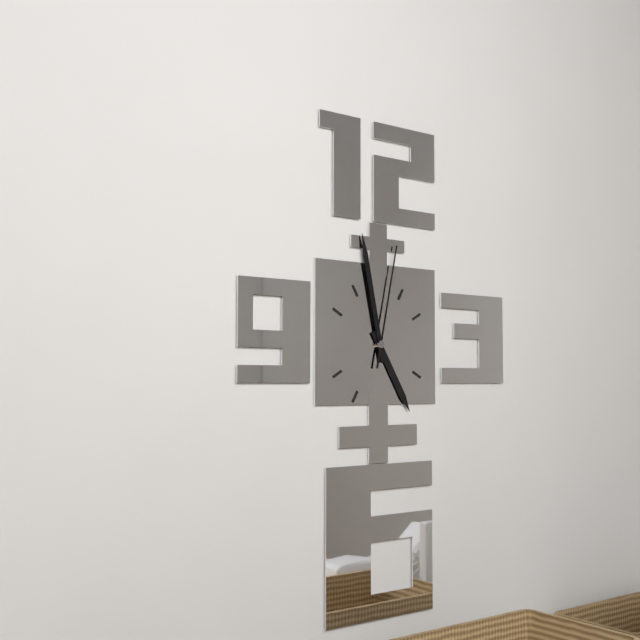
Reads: 4 h 58 min 02 s
